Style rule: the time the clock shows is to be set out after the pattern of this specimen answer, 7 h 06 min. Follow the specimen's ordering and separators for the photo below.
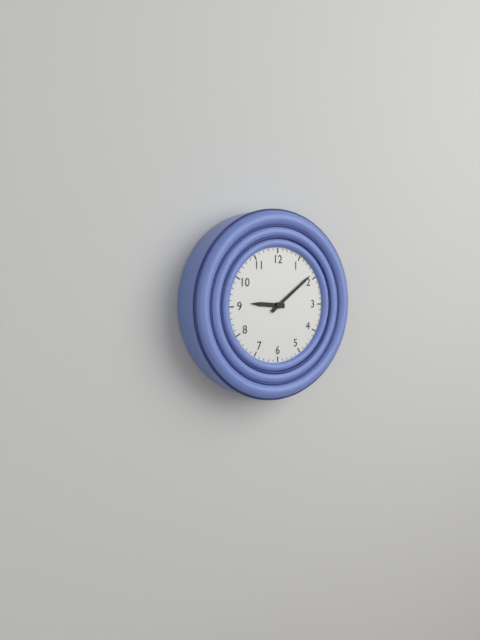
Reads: 9 h 09 min
